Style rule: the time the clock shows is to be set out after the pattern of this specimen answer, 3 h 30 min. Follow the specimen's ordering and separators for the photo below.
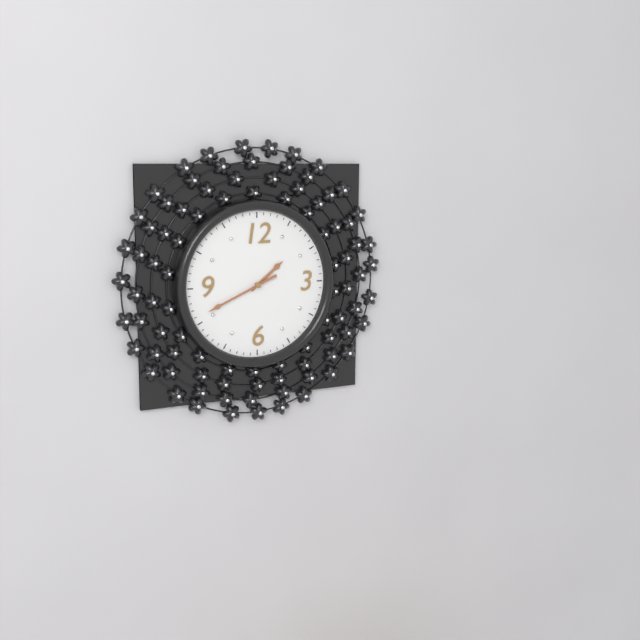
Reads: 1 h 41 min
